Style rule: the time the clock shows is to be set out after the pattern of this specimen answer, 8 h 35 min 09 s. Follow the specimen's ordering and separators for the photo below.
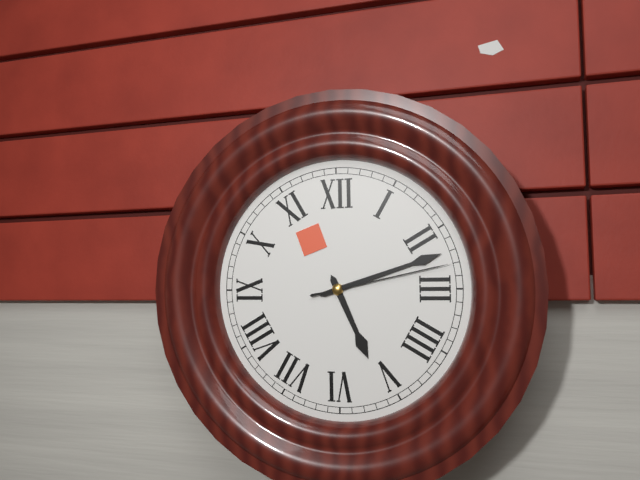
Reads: 5 h 12 min 13 s
